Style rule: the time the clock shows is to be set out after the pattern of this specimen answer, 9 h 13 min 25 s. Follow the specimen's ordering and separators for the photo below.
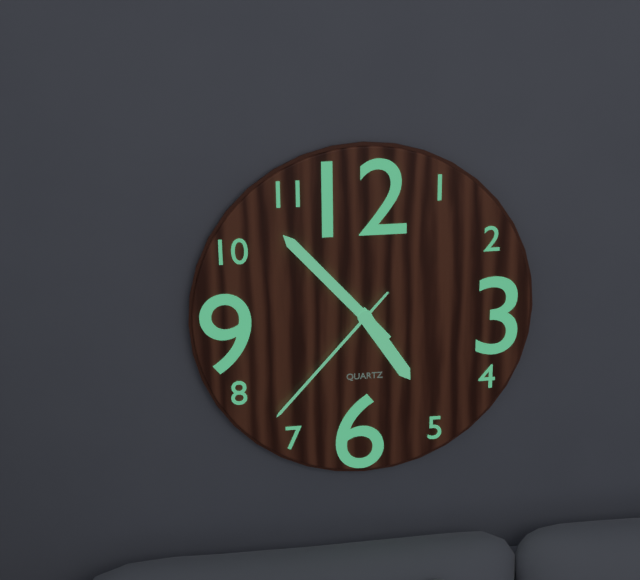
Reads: 4 h 53 min 37 s
